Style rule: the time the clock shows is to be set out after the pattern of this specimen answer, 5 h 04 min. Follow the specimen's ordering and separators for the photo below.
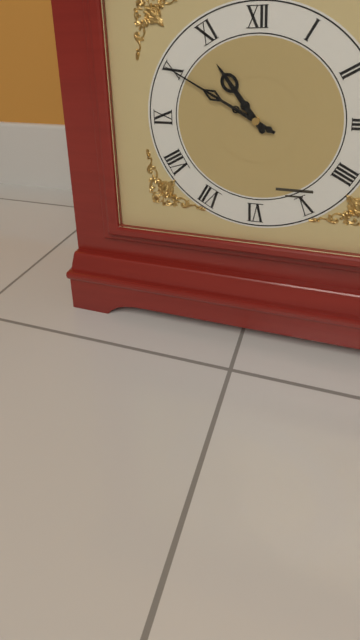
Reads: 10 h 50 min
